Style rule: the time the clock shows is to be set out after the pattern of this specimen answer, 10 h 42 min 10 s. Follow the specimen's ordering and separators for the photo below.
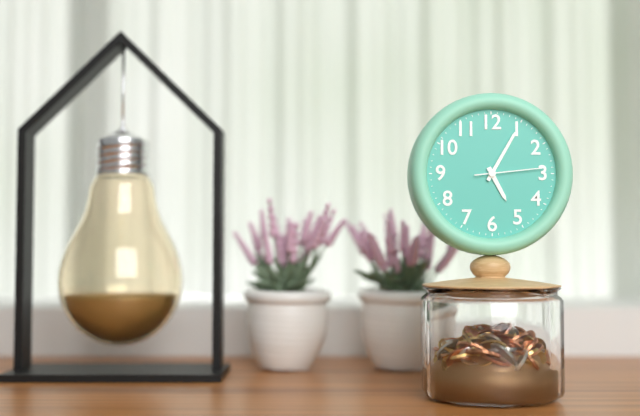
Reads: 5 h 05 min 14 s
